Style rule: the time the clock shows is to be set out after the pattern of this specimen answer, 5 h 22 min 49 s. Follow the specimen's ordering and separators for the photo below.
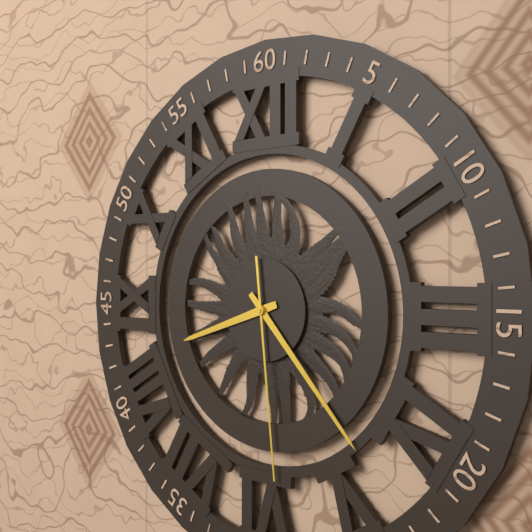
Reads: 8 h 23 min 29 s
